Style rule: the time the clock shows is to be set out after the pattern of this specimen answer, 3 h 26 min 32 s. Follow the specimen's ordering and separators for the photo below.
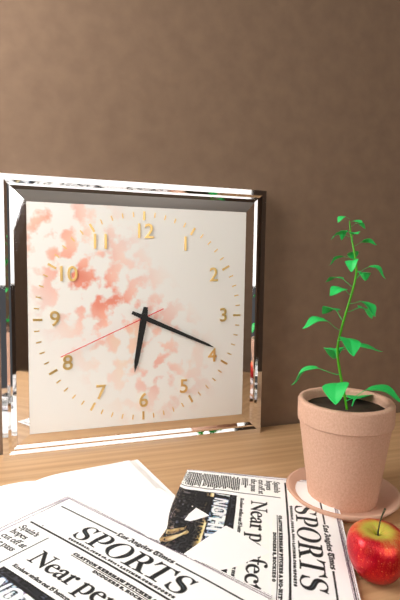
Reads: 6 h 19 min 41 s
